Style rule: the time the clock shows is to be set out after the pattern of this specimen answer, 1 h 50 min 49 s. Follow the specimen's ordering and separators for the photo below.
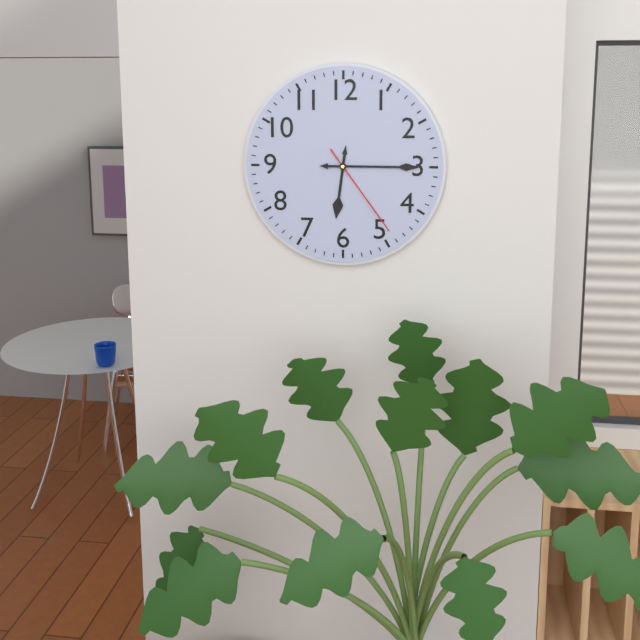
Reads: 6 h 15 min 24 s
